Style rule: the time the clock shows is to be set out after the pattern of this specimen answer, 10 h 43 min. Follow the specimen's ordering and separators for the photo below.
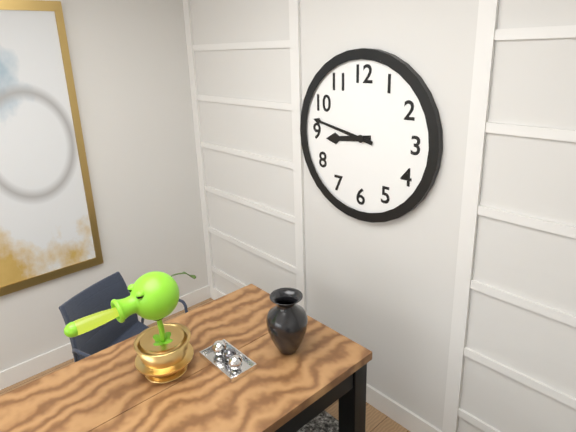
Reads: 8 h 47 min
